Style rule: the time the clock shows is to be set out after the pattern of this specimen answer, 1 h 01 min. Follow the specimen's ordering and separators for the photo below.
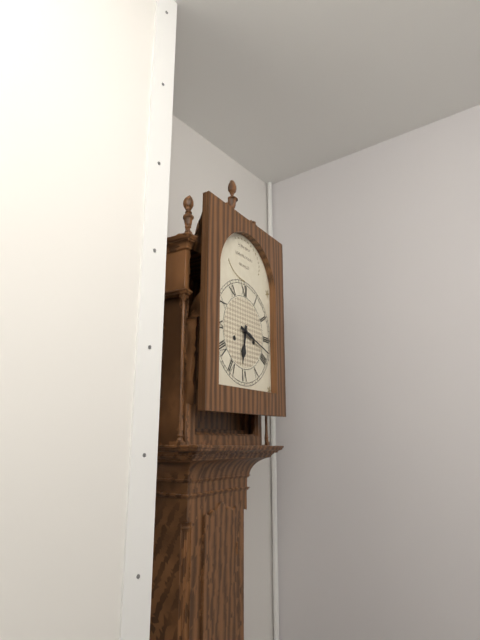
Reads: 6 h 18 min
